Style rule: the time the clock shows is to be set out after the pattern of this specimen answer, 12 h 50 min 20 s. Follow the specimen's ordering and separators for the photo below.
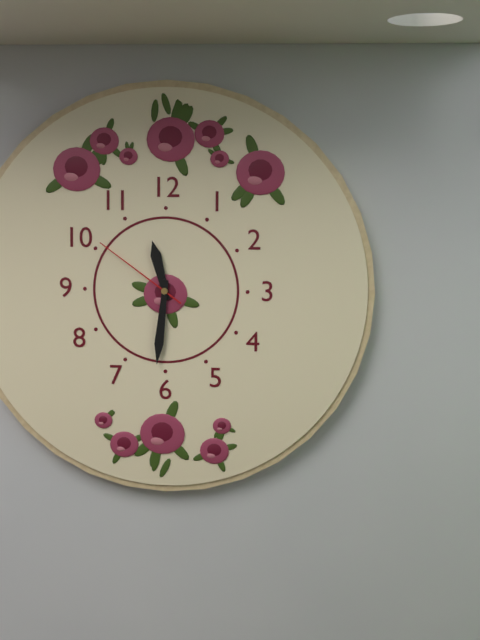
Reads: 11 h 31 min 51 s
